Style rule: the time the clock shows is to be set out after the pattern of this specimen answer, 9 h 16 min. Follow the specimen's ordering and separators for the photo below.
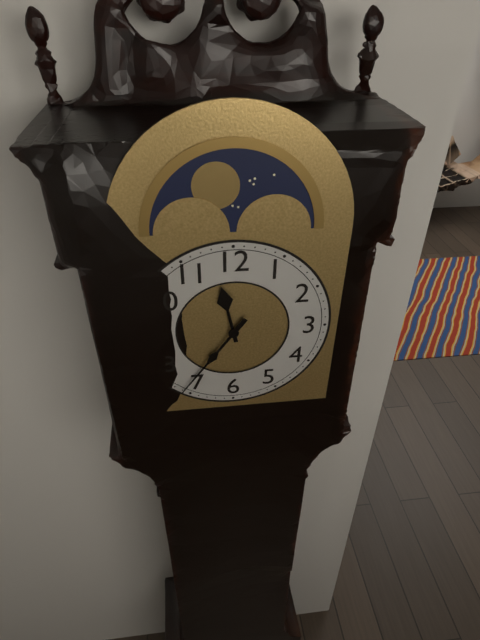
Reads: 11 h 36 min
